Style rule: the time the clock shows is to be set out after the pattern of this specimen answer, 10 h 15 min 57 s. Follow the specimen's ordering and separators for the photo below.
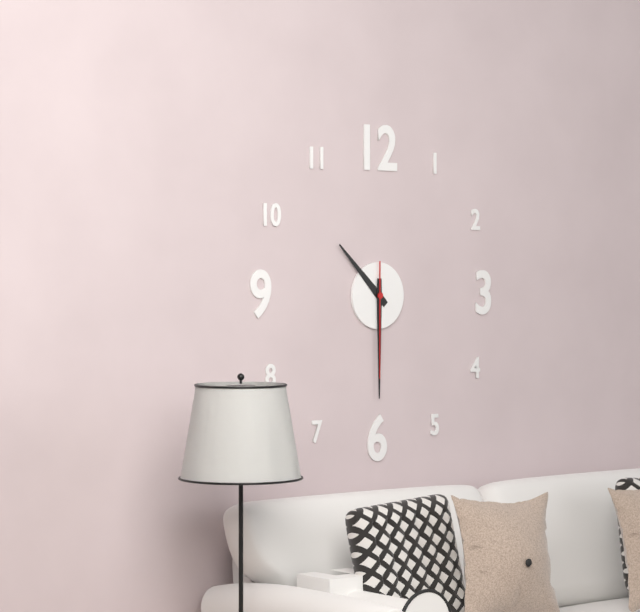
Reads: 10 h 30 min 30 s
